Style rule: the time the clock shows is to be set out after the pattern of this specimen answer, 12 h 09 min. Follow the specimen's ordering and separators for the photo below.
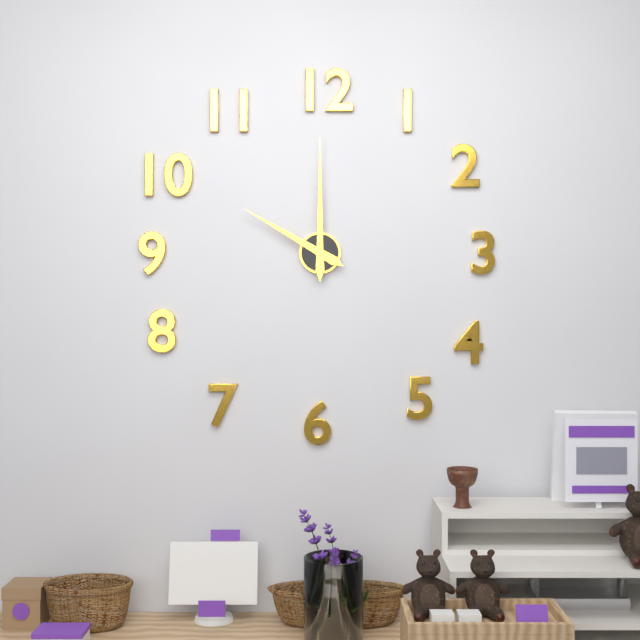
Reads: 10 h 00 min
